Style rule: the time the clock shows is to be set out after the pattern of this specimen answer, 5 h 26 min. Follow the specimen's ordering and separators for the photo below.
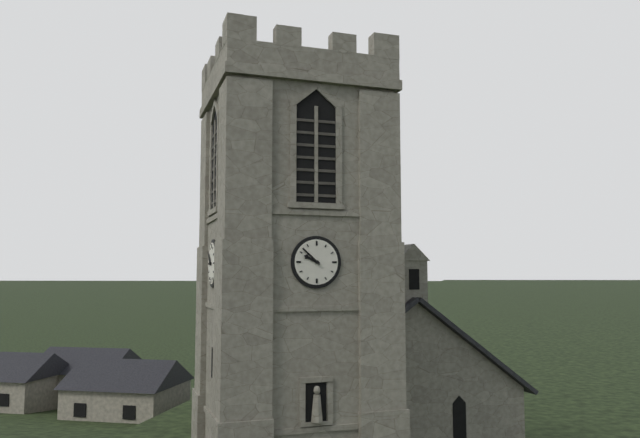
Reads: 9 h 52 min
